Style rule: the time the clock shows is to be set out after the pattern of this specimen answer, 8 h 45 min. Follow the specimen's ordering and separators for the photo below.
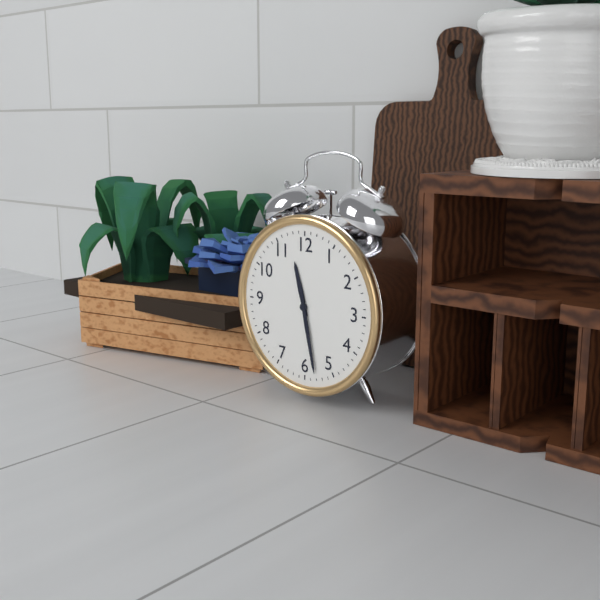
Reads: 11 h 28 min
